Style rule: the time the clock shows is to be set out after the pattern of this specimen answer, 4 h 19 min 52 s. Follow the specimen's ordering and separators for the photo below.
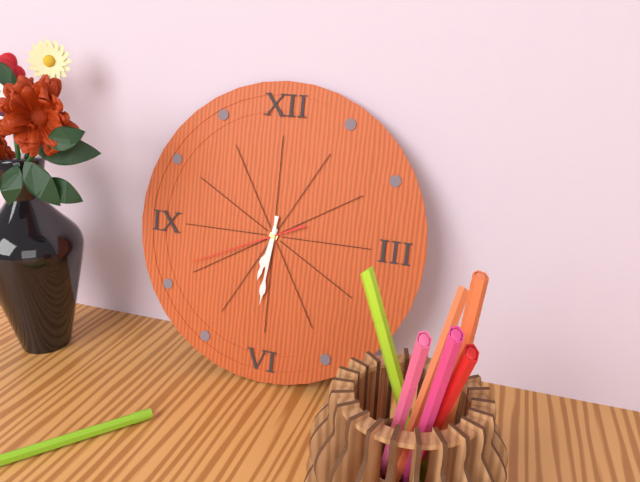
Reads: 6 h 31 min 41 s
